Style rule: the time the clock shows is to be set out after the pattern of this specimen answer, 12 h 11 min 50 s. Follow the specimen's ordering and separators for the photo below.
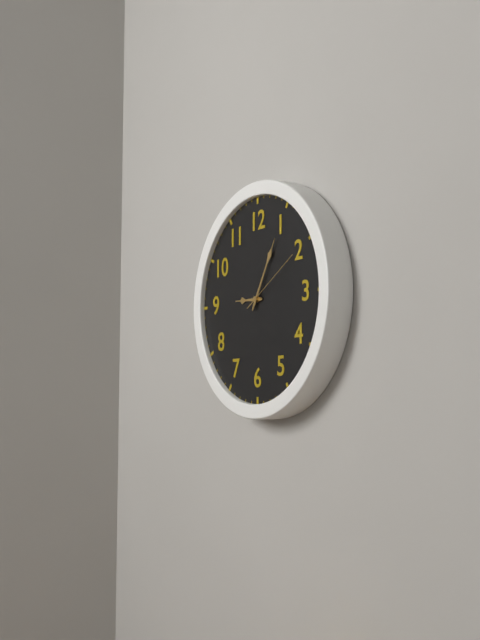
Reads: 9 h 05 min 10 s
